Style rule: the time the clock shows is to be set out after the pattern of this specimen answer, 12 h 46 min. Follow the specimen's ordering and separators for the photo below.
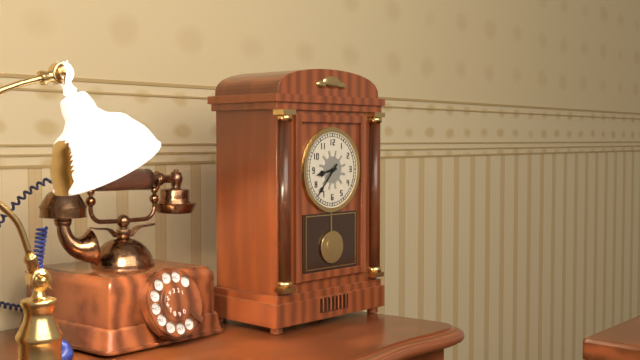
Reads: 8 h 37 min
